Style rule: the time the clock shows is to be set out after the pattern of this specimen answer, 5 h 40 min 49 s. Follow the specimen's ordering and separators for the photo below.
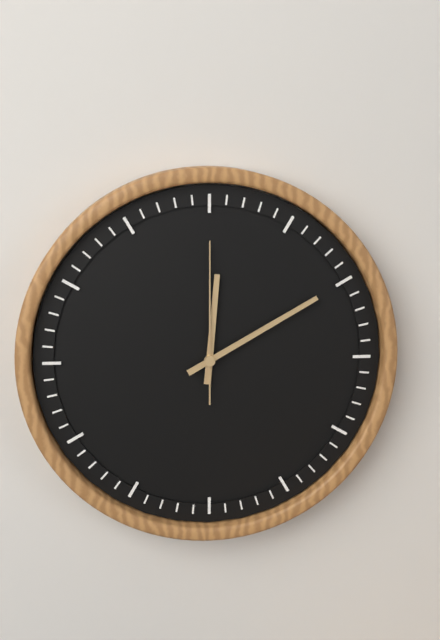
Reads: 12 h 10 min 00 s
